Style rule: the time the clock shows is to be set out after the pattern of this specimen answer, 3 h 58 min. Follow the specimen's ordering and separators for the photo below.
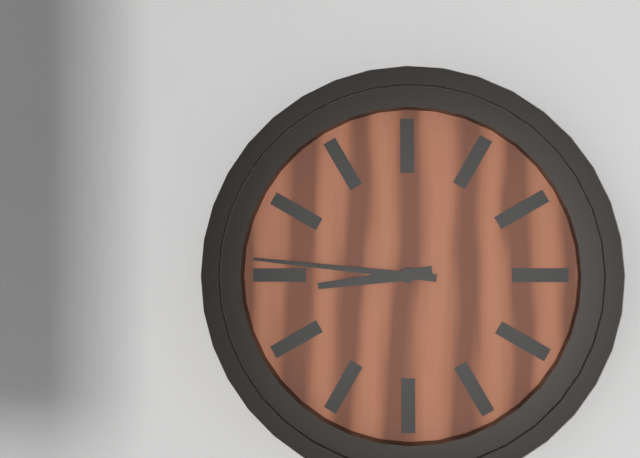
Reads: 8 h 46 min
